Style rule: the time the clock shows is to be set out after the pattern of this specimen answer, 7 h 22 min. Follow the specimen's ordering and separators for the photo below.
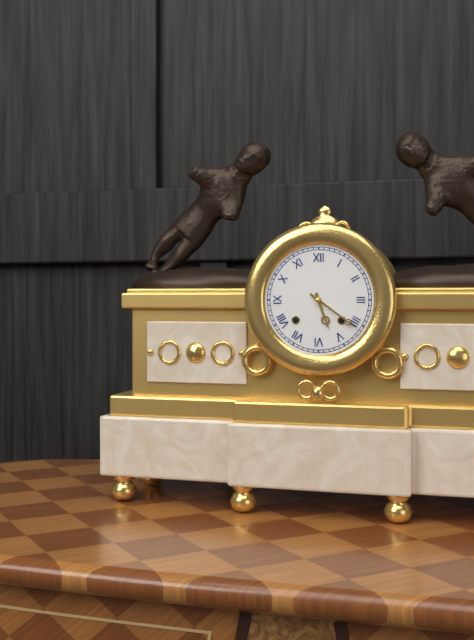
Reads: 5 h 21 min
